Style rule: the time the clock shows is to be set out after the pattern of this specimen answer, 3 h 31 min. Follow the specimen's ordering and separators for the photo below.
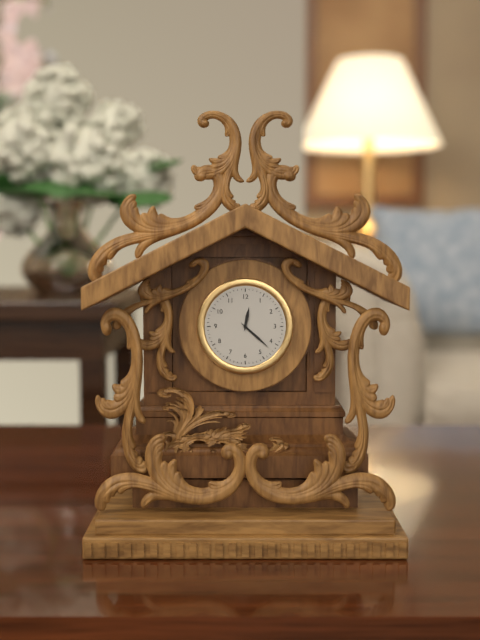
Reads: 12 h 22 min
